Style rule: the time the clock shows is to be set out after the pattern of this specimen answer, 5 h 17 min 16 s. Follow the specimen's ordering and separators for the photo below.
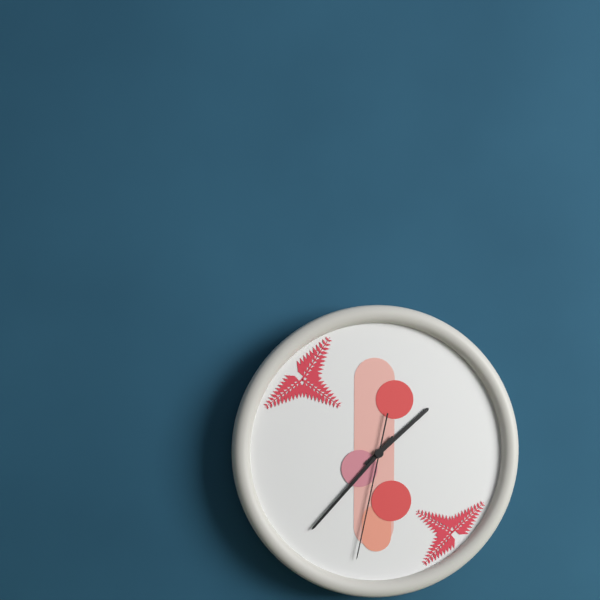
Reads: 1 h 37 min 32 s
